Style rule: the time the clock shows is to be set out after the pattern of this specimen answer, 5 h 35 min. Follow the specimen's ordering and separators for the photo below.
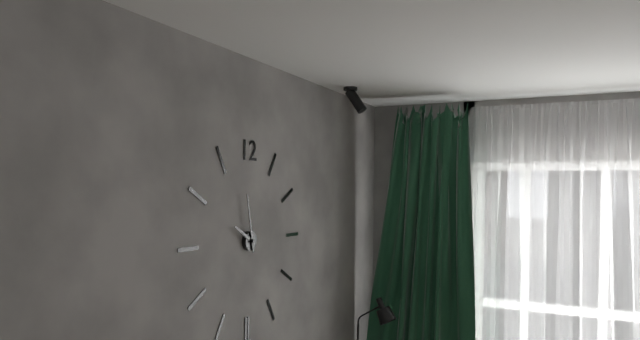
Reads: 9 h 58 min
